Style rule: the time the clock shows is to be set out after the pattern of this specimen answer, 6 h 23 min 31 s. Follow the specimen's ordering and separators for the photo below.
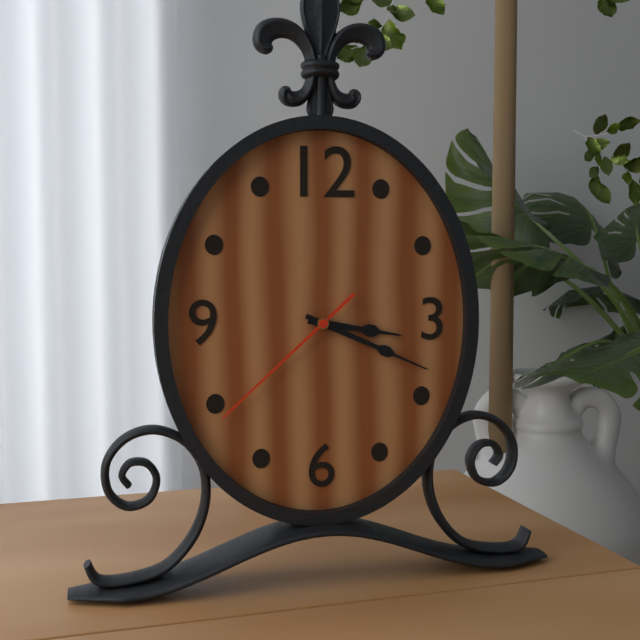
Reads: 3 h 19 min 38 s
